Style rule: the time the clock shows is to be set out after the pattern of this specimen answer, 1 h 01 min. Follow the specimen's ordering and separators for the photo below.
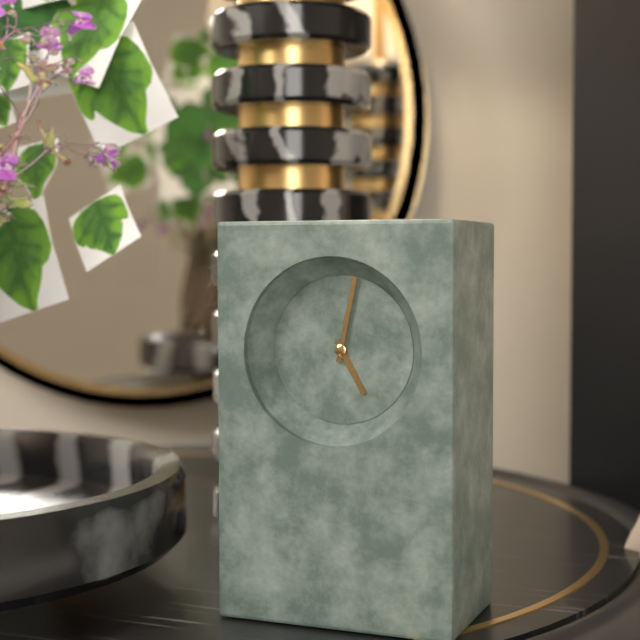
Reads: 5 h 02 min
